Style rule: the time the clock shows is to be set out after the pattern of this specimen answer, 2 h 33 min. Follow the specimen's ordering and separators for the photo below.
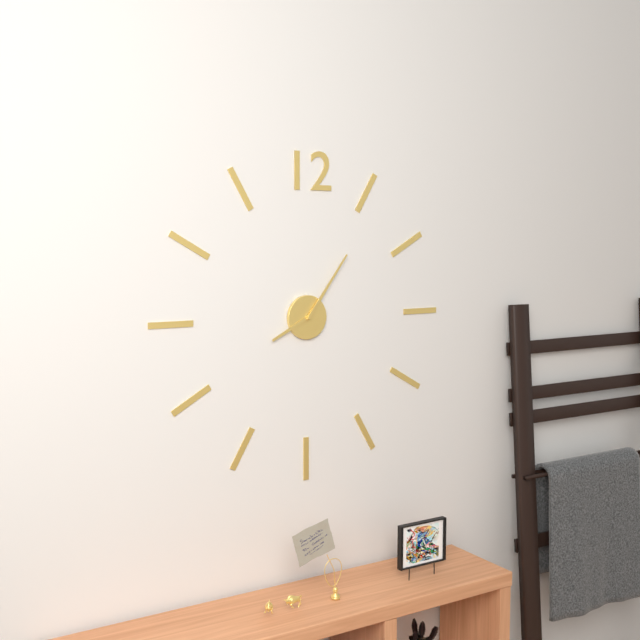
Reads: 8 h 06 min
